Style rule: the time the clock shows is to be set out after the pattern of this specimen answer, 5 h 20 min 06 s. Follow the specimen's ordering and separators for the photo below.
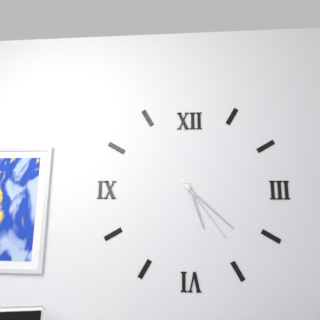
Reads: 5 h 22 min 24 s
